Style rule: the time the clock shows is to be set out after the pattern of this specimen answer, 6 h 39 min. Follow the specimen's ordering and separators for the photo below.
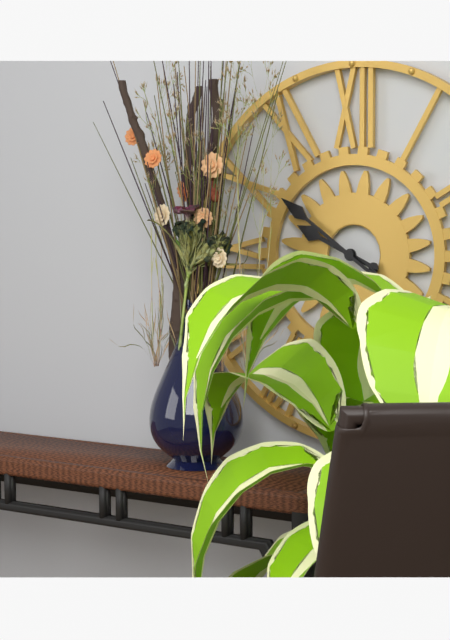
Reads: 9 h 51 min
